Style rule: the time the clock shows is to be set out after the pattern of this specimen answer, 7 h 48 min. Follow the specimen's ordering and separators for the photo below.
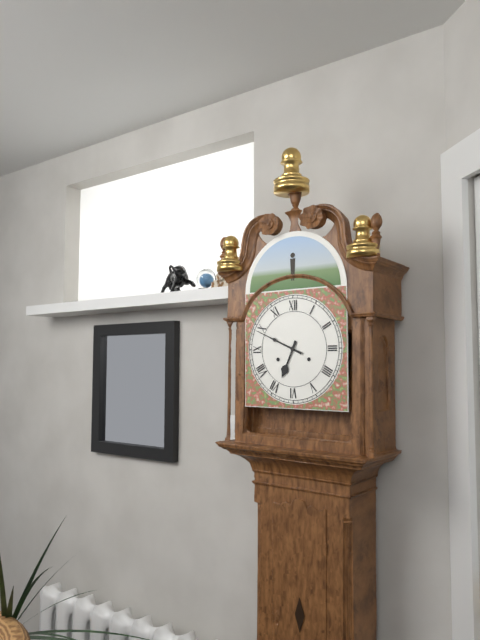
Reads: 6 h 49 min
